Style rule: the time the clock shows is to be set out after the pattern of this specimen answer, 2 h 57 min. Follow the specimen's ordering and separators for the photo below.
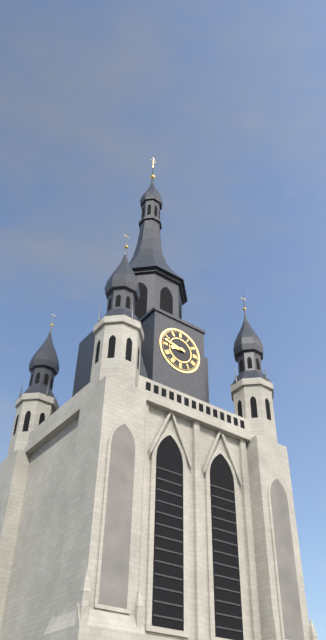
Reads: 8 h 47 min
